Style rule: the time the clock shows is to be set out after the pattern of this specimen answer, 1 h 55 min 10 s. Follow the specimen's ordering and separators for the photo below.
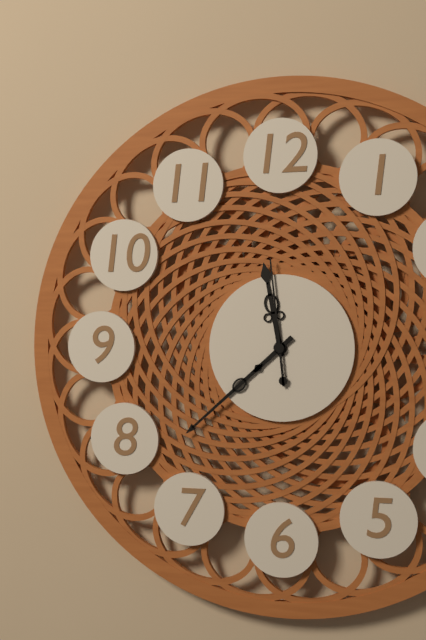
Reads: 11 h 38 min 59 s
